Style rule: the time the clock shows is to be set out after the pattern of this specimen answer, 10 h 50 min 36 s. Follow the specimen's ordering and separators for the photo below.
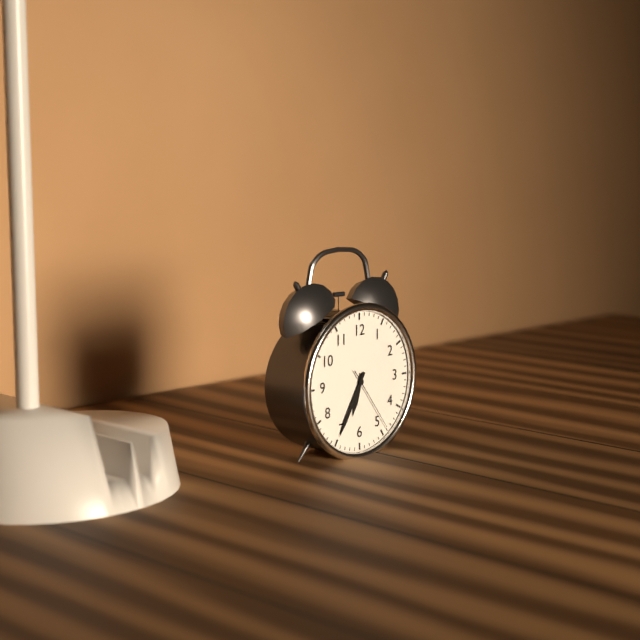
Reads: 6 h 35 min 24 s
